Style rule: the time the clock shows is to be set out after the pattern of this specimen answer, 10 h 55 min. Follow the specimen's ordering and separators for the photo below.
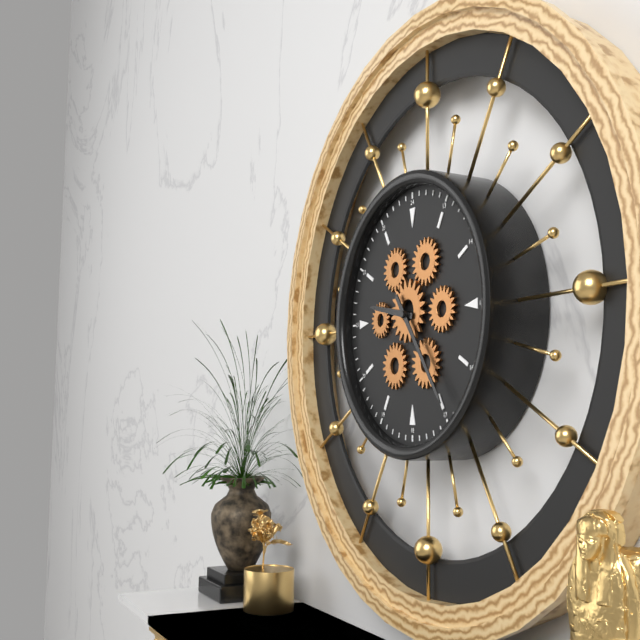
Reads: 9 h 24 min
